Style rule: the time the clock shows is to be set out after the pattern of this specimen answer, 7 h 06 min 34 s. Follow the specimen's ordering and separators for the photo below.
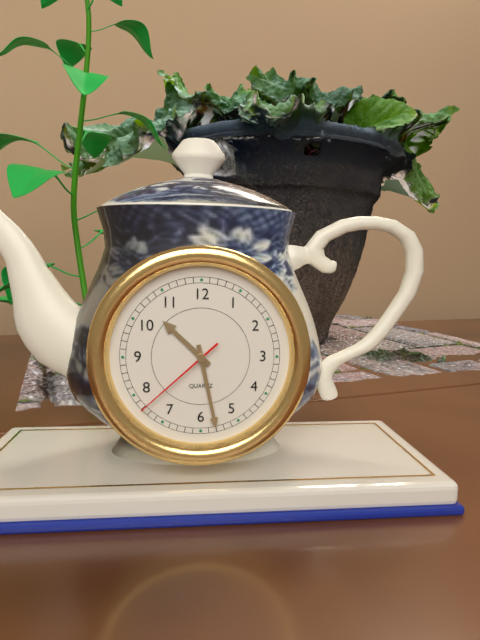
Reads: 10 h 28 min 38 s
